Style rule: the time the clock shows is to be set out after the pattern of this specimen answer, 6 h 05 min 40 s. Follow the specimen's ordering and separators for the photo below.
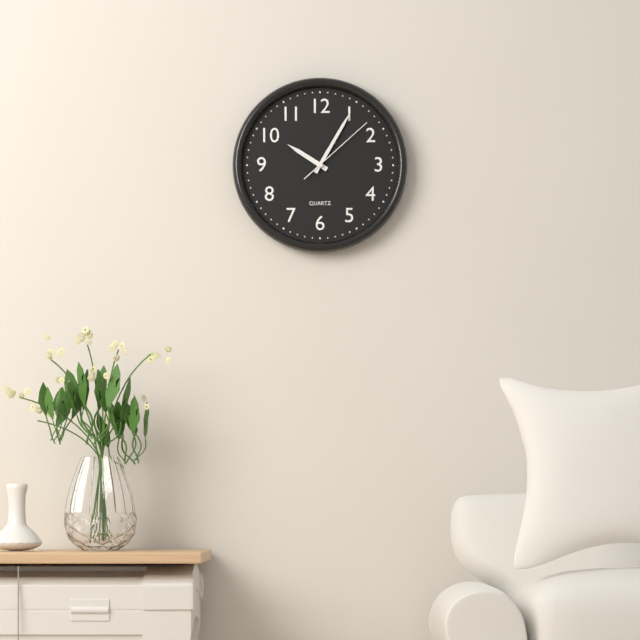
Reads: 10 h 05 min 08 s
